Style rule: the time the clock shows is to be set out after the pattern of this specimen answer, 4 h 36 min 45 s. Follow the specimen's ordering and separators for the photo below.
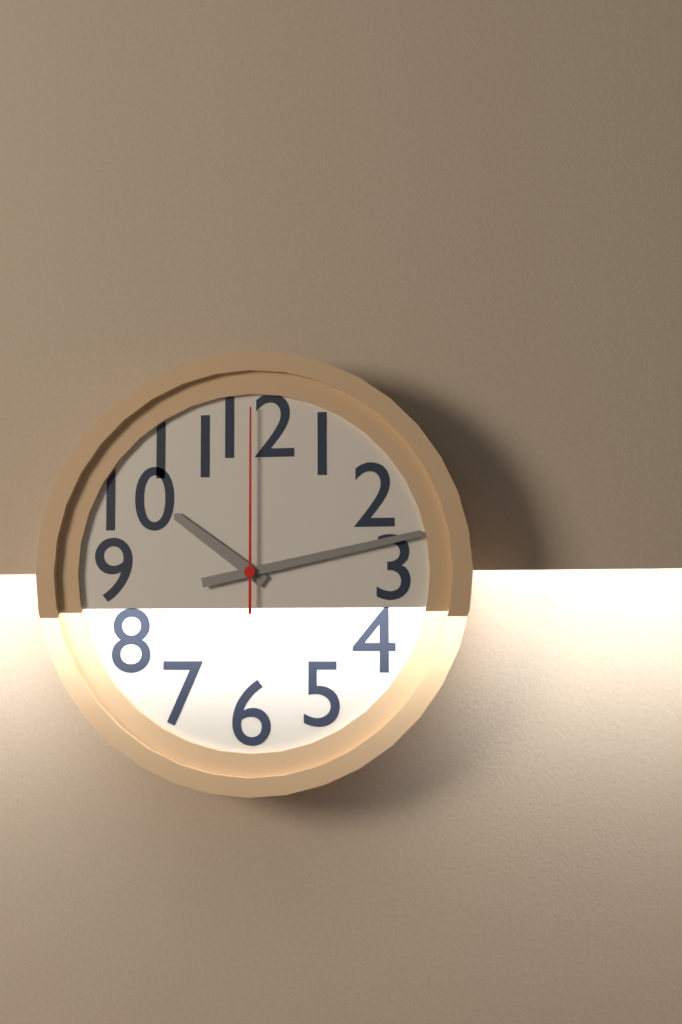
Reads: 10 h 13 min 00 s
